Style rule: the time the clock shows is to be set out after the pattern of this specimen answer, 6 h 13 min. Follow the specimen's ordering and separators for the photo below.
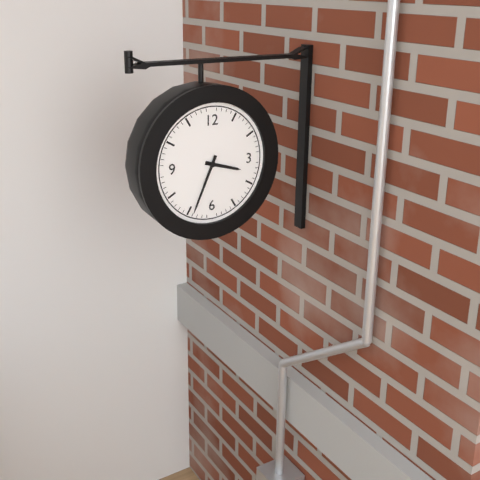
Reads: 3 h 34 min
